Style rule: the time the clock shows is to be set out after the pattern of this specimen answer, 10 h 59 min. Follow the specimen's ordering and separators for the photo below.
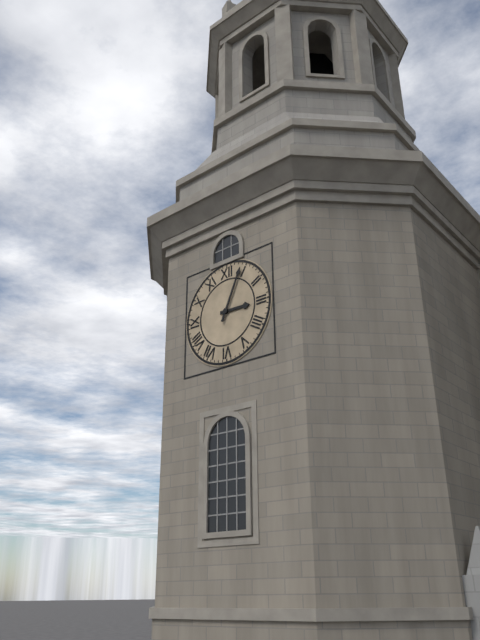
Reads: 3 h 04 min
